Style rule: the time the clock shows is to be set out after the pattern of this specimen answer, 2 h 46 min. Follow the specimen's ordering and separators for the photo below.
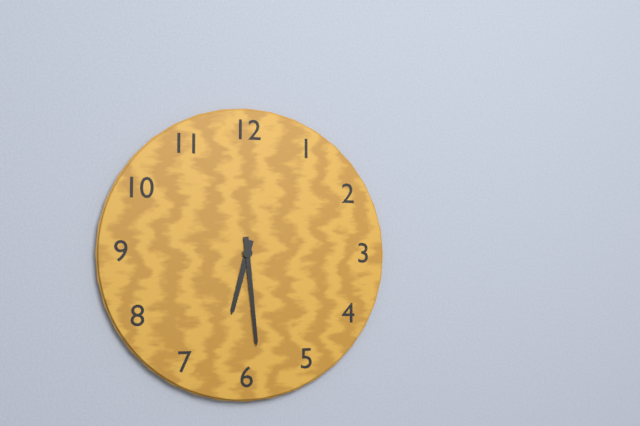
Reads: 6 h 29 min
